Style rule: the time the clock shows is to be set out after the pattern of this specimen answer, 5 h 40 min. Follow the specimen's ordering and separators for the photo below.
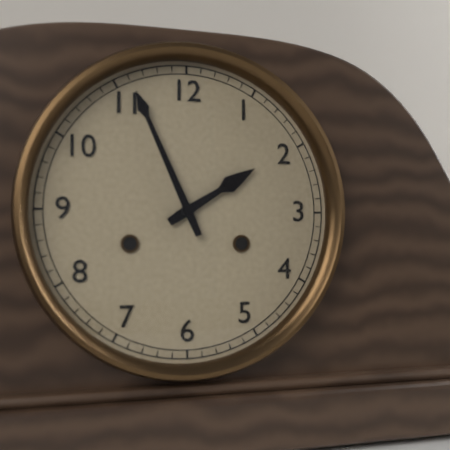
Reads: 1 h 56 min
